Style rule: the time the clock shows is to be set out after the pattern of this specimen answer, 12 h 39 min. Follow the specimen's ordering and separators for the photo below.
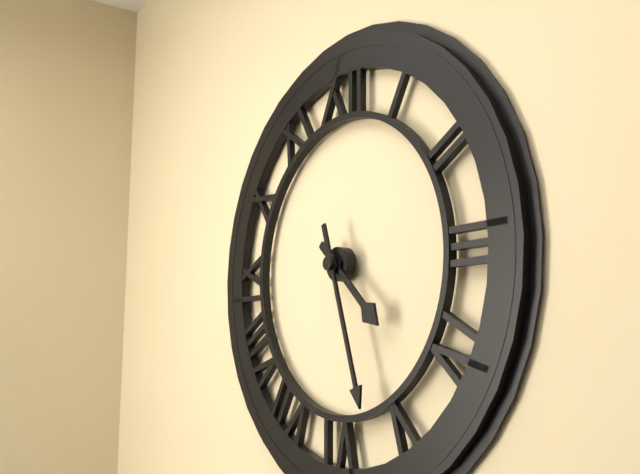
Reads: 4 h 27 min
